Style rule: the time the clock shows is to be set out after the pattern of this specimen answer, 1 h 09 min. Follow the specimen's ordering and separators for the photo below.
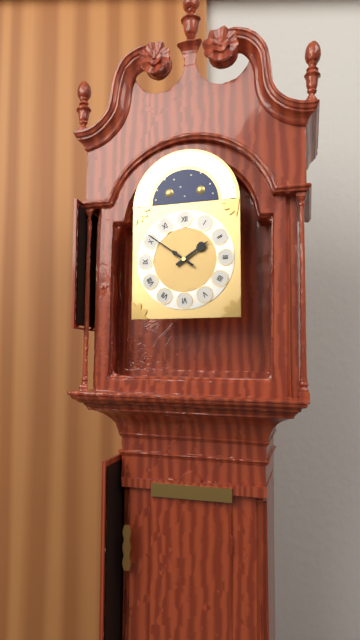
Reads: 1 h 51 min
